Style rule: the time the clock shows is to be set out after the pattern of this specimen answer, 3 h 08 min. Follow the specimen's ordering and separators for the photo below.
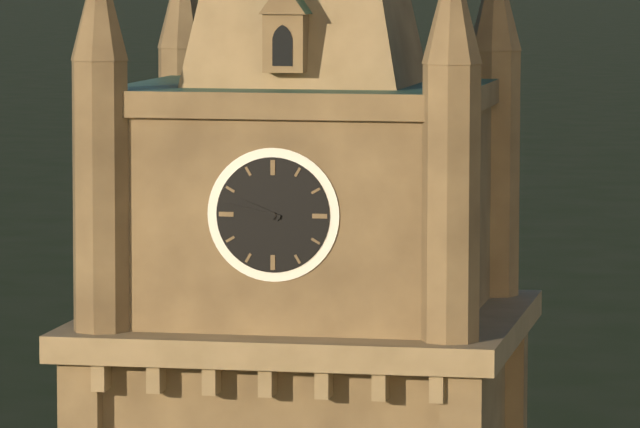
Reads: 9 h 47 min
